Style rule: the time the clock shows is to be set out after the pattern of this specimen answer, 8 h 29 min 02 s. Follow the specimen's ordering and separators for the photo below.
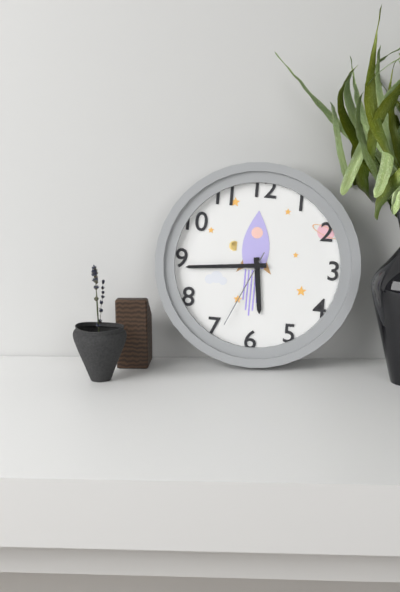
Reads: 5 h 44 min 34 s
